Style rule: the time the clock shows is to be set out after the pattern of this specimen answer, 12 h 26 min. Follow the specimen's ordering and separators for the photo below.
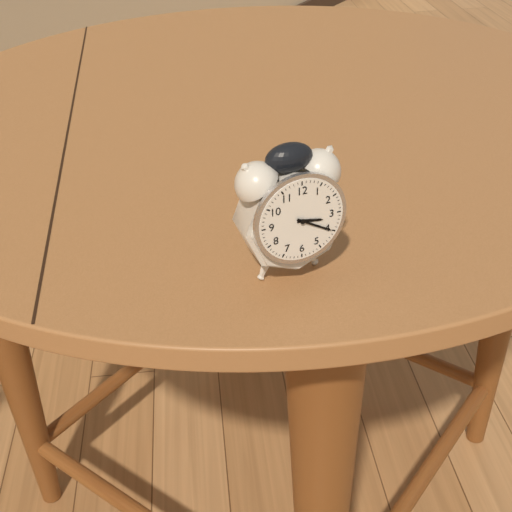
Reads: 3 h 20 min
